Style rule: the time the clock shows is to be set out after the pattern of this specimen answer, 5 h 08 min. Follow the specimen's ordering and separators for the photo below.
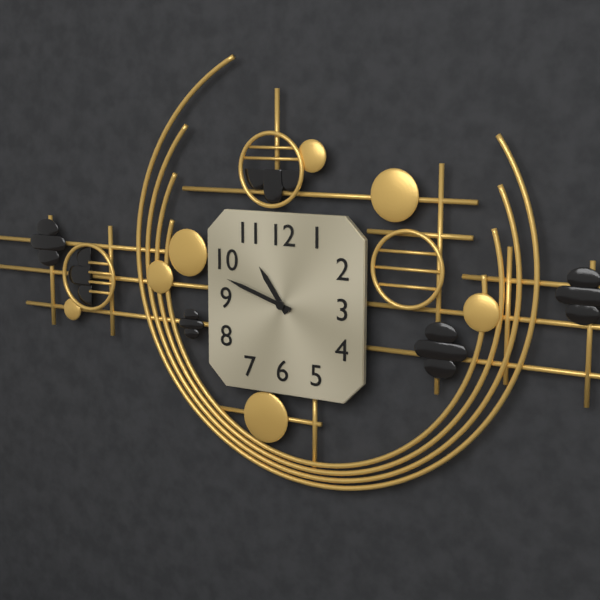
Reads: 10 h 48 min
